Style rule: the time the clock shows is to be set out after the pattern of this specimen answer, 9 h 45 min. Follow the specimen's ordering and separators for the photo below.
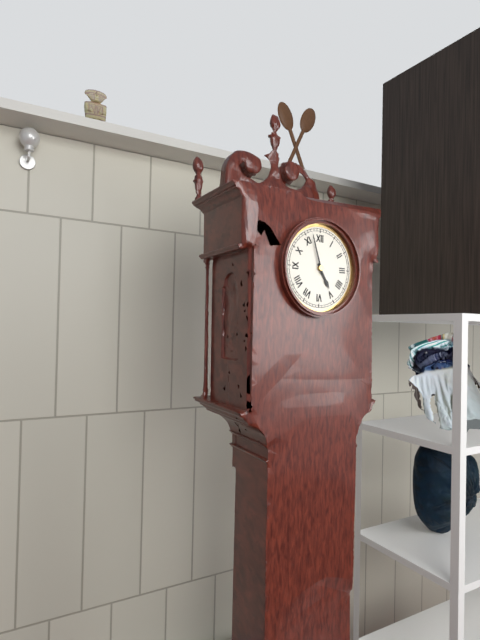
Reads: 4 h 57 min
